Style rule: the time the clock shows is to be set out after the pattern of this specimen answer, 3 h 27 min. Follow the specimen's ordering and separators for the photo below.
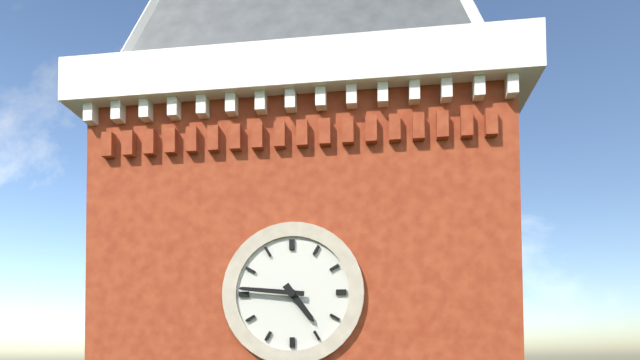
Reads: 4 h 46 min
